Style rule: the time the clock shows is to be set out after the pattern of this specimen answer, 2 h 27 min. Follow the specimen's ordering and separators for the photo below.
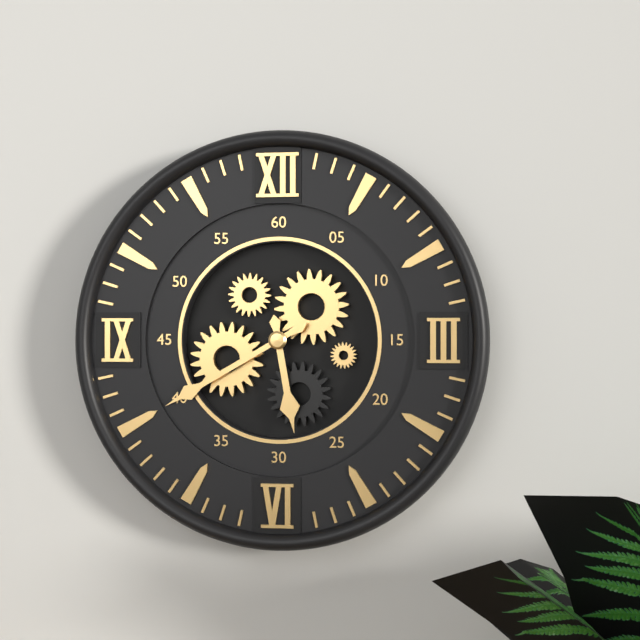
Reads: 5 h 40 min
